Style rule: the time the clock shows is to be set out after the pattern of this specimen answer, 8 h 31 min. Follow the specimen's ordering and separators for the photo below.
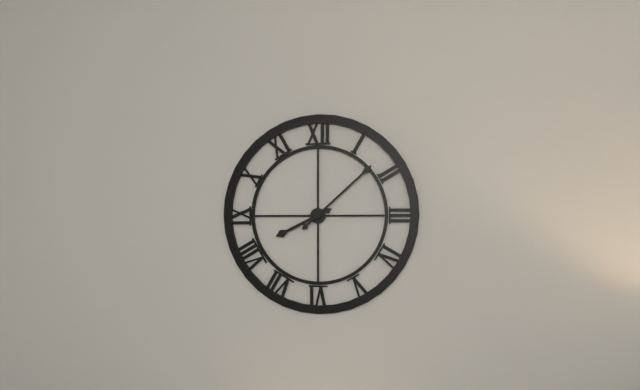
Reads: 8 h 08 min
